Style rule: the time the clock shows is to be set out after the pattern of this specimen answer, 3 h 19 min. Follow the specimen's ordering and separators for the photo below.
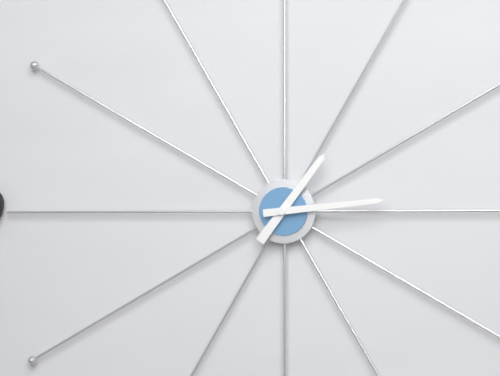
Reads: 1 h 14 min
